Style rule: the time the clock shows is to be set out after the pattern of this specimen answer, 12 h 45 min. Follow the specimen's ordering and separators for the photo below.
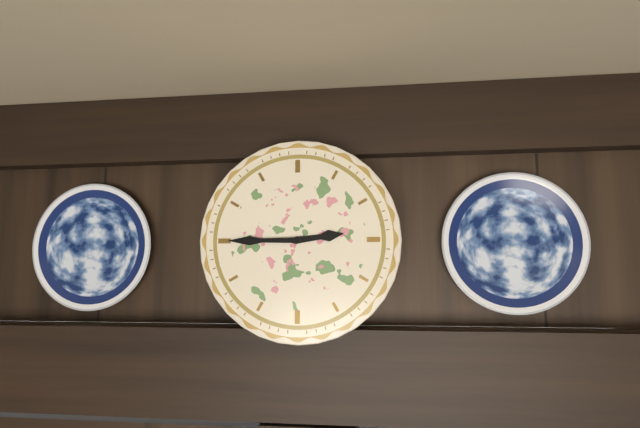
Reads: 2 h 45 min
